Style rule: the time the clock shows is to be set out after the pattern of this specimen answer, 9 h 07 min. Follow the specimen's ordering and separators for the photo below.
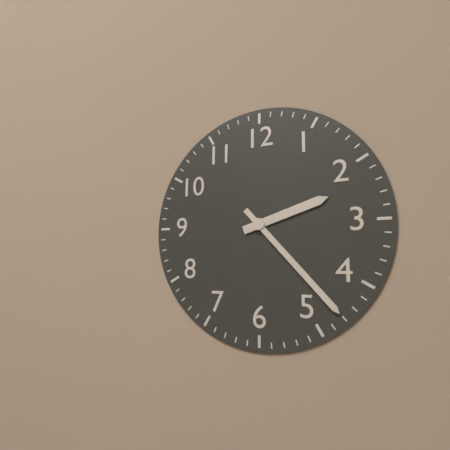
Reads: 2 h 23 min
